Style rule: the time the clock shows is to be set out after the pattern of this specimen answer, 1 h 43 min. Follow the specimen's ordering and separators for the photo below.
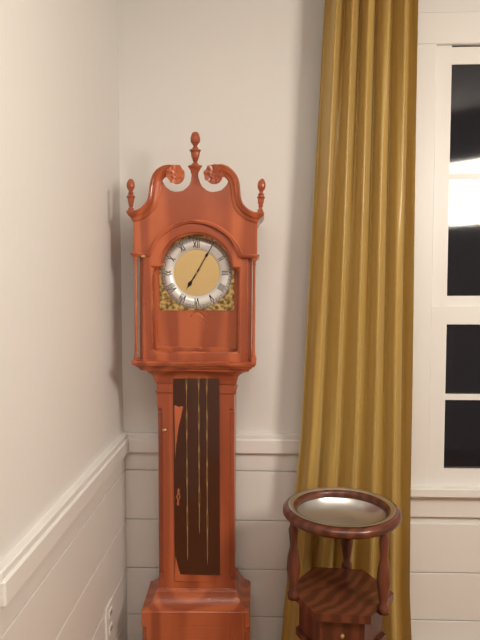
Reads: 7 h 05 min
